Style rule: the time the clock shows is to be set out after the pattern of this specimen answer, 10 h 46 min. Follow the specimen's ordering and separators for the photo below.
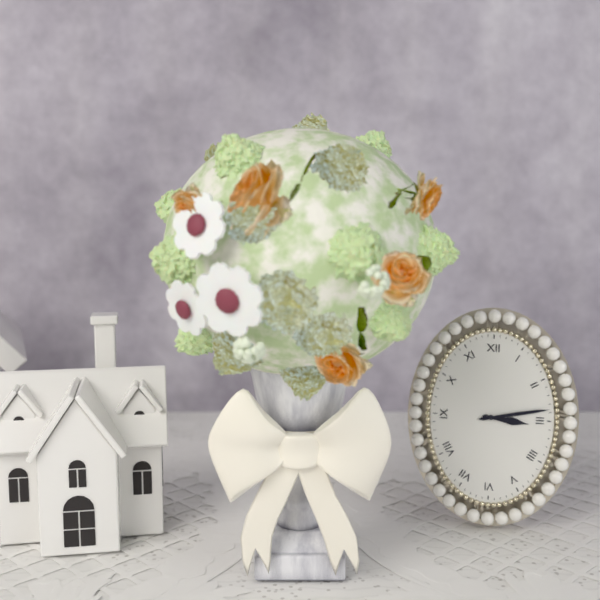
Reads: 3 h 13 min
